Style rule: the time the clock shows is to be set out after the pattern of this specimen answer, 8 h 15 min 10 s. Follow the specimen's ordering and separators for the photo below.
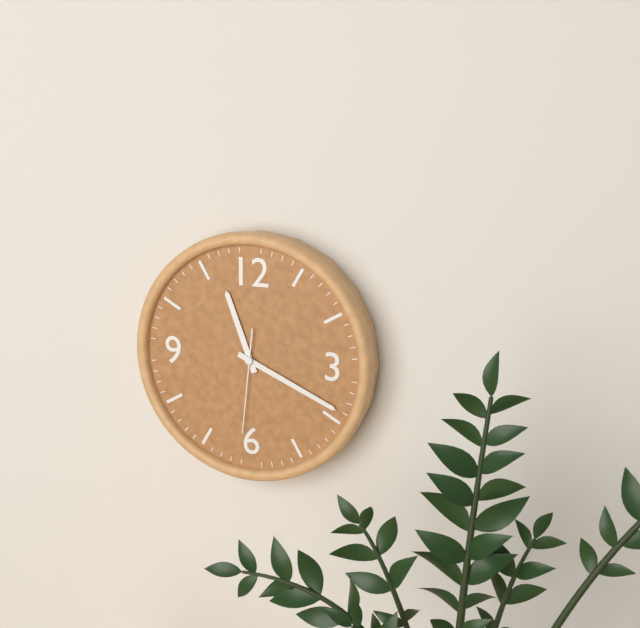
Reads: 11 h 19 min 31 s
